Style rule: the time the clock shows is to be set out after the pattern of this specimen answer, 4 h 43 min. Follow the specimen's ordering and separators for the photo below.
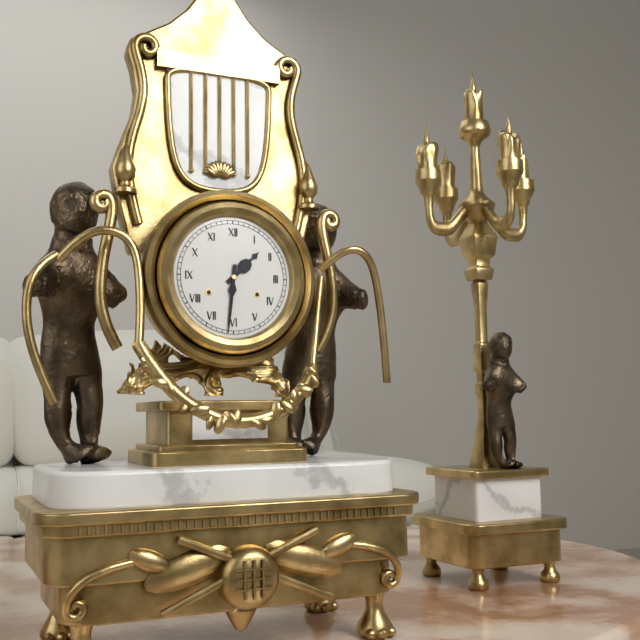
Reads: 1 h 31 min
